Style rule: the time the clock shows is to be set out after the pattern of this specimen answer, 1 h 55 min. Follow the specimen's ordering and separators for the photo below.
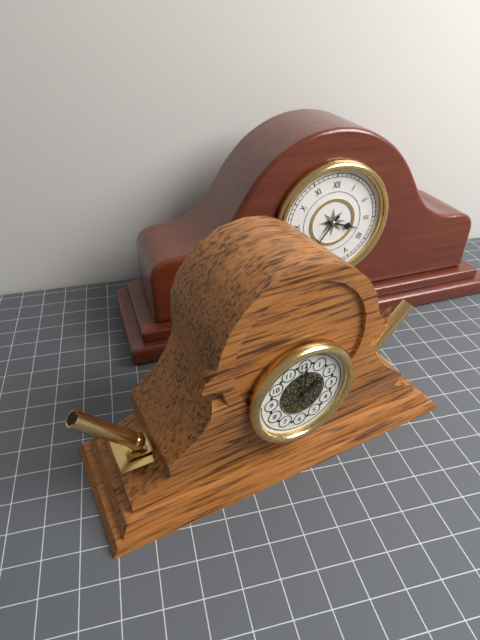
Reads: 2 h 00 min
